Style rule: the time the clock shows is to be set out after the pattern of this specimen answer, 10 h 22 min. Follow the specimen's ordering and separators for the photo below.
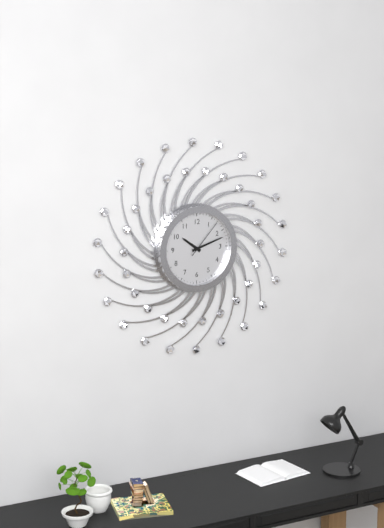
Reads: 10 h 12 min
